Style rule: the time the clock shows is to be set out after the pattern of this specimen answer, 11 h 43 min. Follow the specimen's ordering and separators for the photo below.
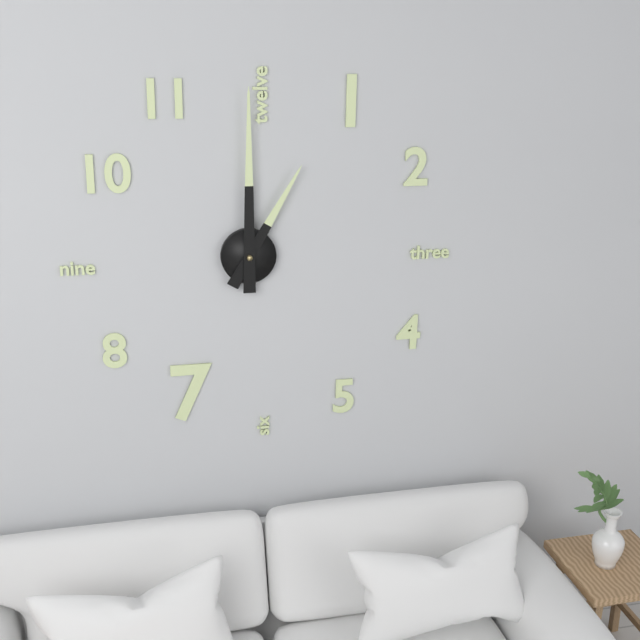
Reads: 1 h 00 min
